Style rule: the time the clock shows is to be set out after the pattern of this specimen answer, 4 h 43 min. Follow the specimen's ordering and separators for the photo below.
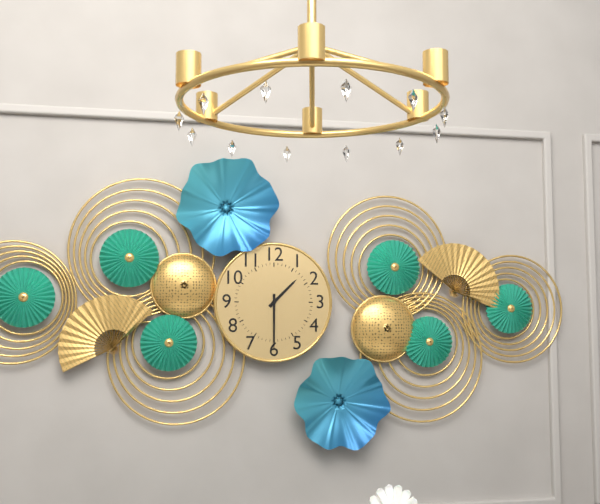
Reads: 1 h 30 min
